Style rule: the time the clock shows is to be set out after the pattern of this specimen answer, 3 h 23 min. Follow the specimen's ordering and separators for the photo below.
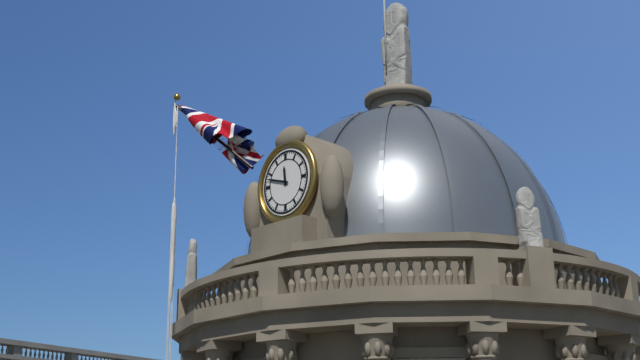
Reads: 11 h 48 min
